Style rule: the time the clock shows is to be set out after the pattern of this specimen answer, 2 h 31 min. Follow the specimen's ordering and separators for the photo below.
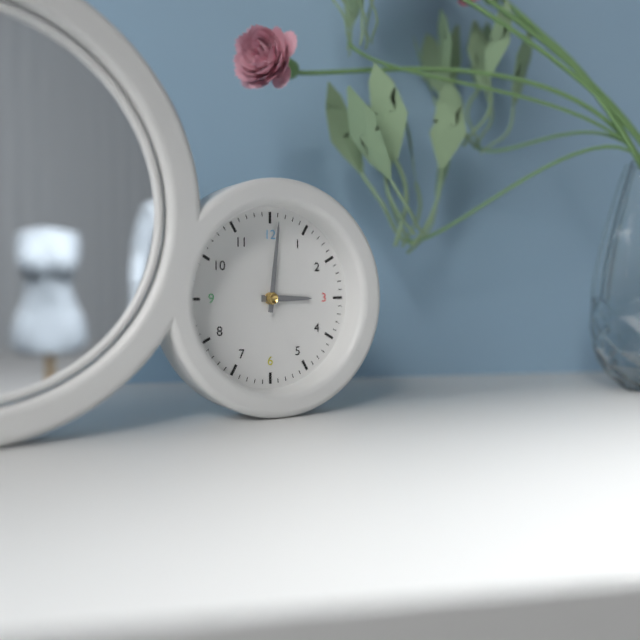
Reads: 3 h 01 min
